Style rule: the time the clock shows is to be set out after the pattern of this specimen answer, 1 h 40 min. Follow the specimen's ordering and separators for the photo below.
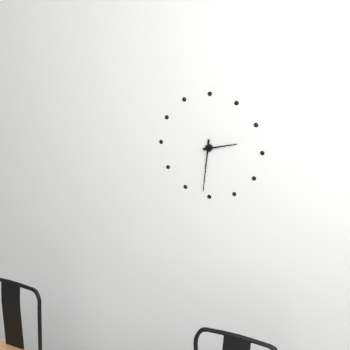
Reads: 2 h 31 min
